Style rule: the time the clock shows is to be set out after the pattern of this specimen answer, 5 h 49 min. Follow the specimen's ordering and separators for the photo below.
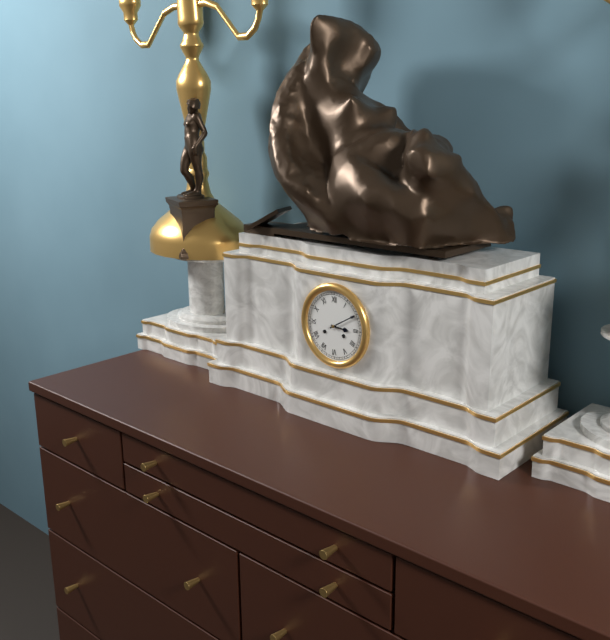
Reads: 3 h 10 min
